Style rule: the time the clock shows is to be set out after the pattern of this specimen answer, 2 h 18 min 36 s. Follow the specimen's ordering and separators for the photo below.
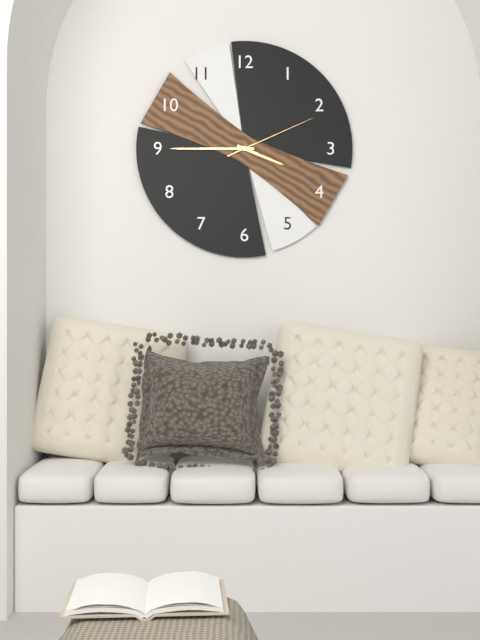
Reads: 3 h 45 min 11 s
